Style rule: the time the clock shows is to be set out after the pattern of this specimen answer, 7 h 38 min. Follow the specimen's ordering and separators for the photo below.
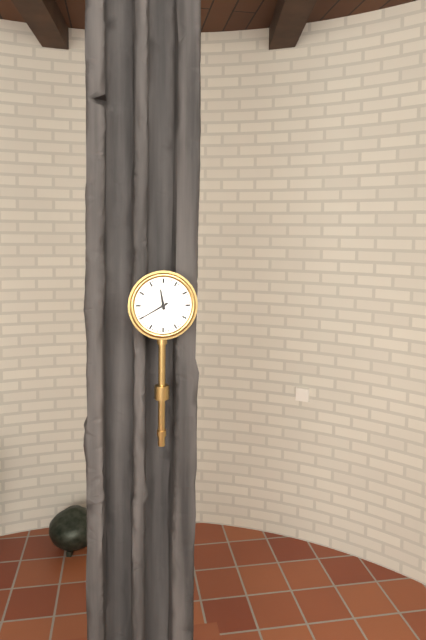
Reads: 11 h 40 min
